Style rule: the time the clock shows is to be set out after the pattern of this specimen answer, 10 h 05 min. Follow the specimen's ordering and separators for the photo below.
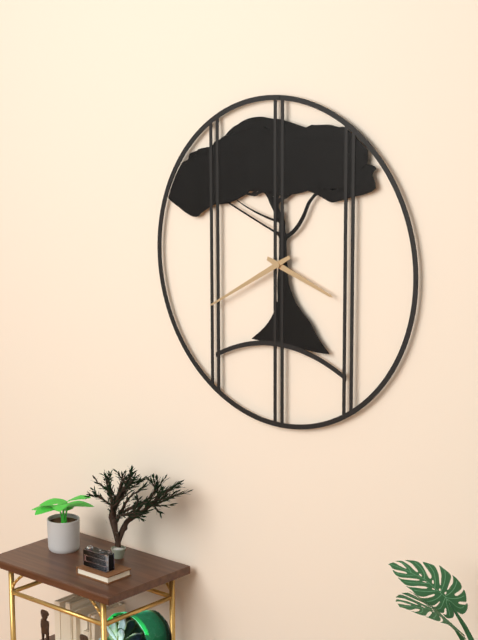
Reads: 3 h 40 min
